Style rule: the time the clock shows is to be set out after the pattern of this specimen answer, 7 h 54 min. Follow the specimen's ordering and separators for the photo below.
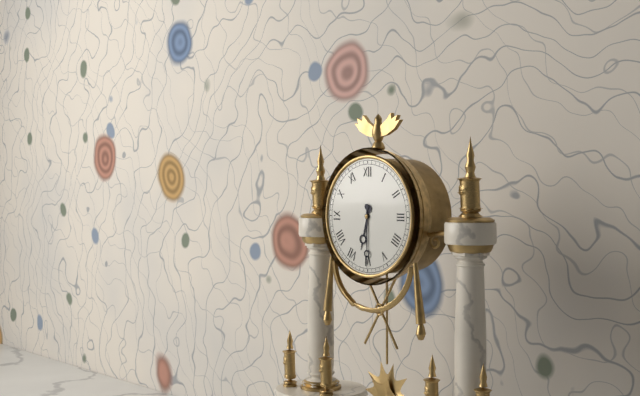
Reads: 6 h 30 min
